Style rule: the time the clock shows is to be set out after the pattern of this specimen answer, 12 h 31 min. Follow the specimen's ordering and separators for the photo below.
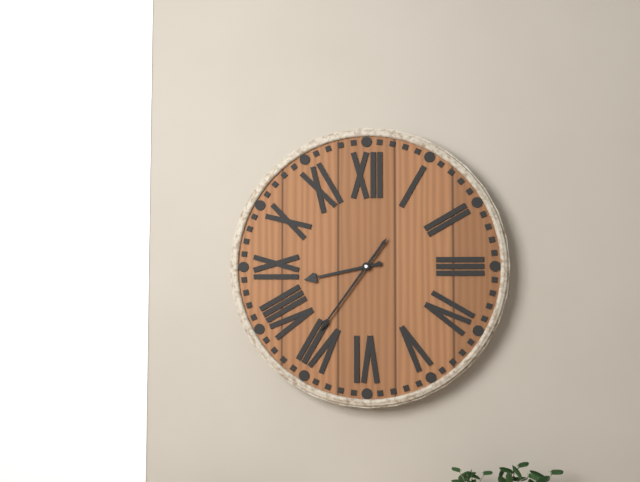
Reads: 8 h 36 min
